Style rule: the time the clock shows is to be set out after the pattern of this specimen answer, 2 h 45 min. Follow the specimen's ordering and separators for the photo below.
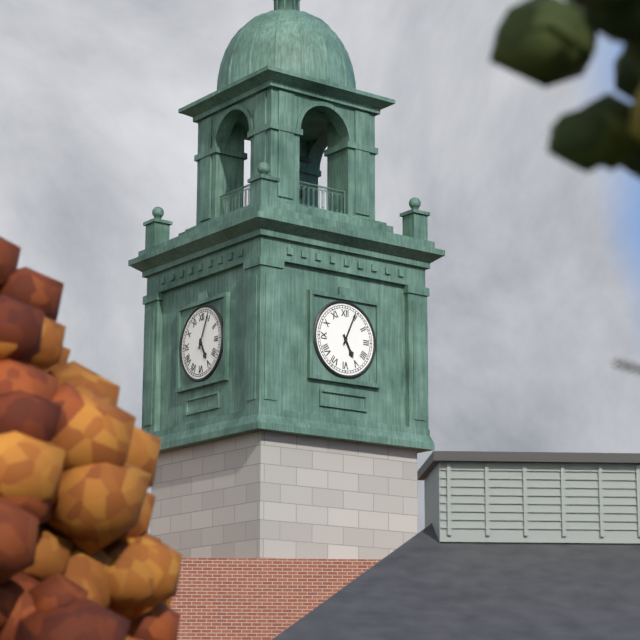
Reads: 5 h 04 min
